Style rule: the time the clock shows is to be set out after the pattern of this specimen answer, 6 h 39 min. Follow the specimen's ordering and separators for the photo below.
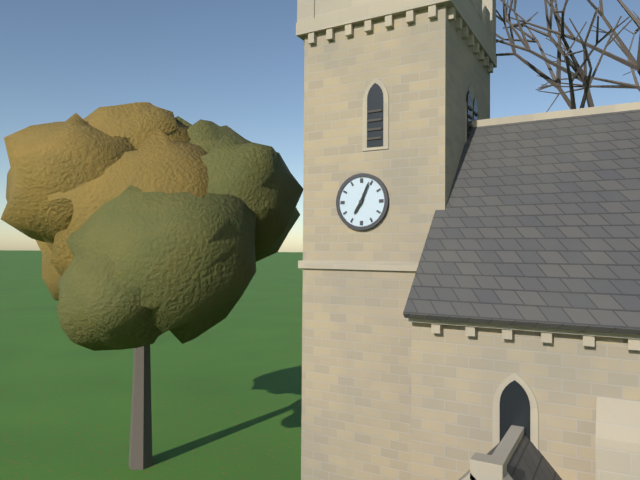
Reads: 7 h 04 min
